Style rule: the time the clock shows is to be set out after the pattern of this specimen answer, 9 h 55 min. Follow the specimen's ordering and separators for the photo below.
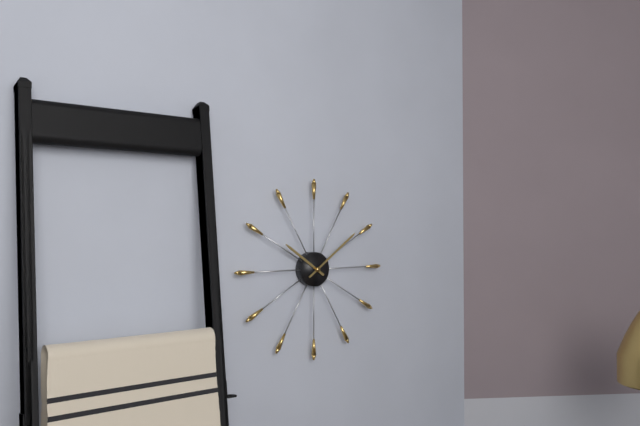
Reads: 10 h 09 min
